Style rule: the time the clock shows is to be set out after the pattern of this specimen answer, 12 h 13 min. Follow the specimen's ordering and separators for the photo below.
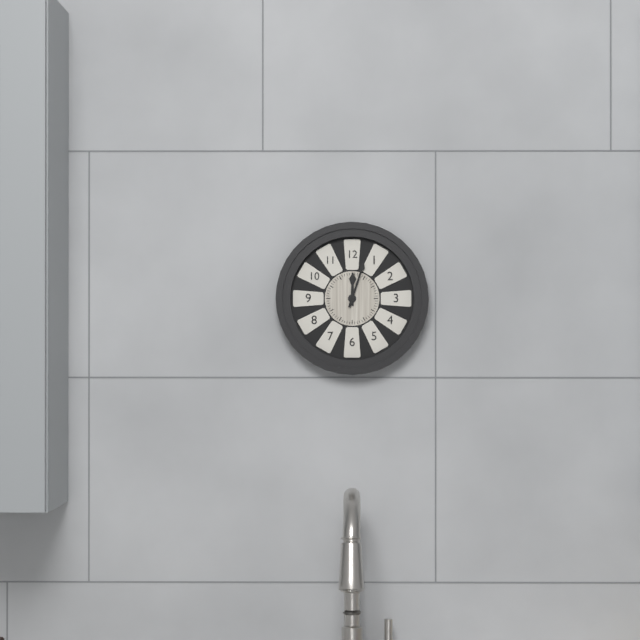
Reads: 12 h 03 min
